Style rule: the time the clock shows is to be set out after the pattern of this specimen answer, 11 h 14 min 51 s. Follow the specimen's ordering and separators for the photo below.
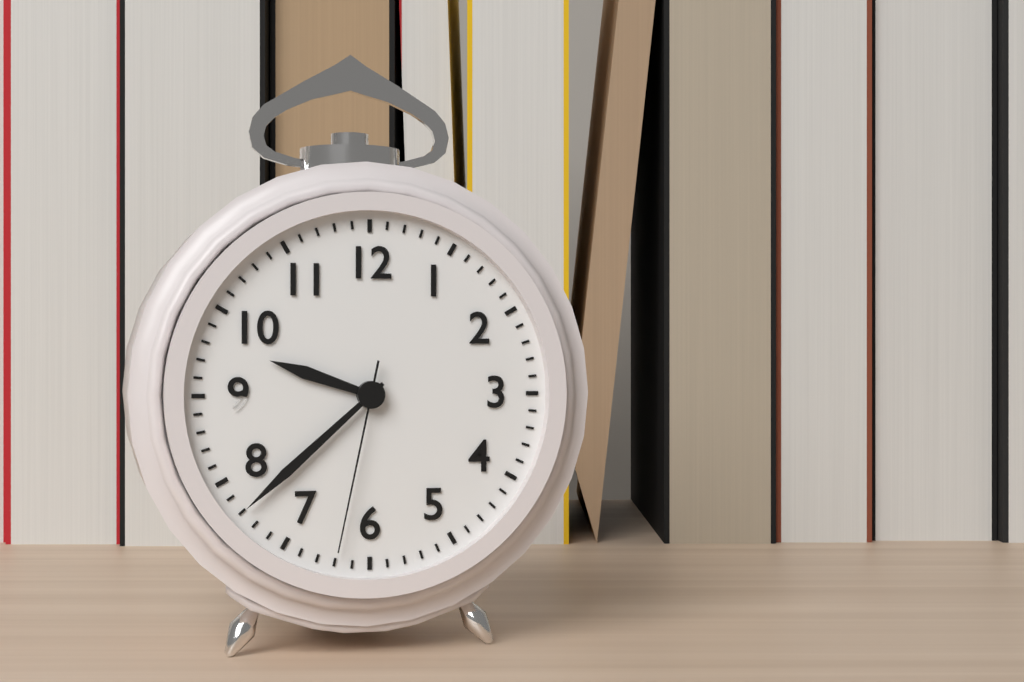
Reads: 9 h 38 min 32 s
